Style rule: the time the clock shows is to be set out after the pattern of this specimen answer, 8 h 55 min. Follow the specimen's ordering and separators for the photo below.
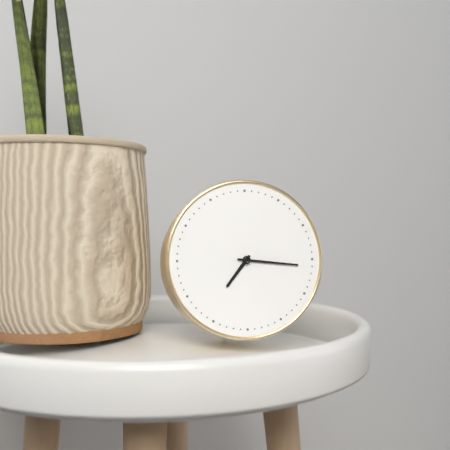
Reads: 7 h 16 min
